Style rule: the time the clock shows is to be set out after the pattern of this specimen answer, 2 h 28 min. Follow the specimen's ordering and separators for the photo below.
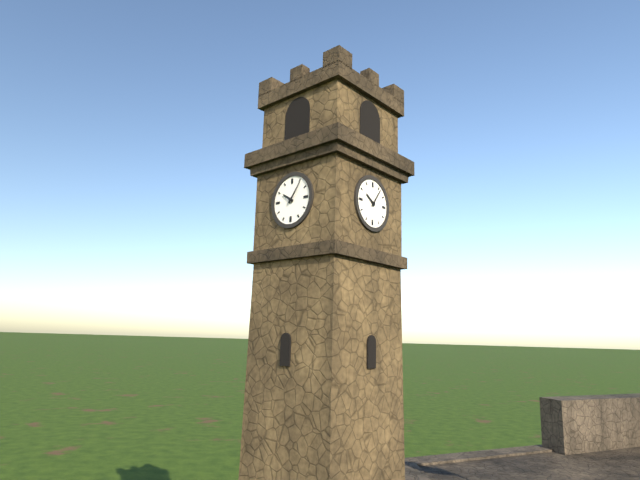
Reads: 10 h 06 min
